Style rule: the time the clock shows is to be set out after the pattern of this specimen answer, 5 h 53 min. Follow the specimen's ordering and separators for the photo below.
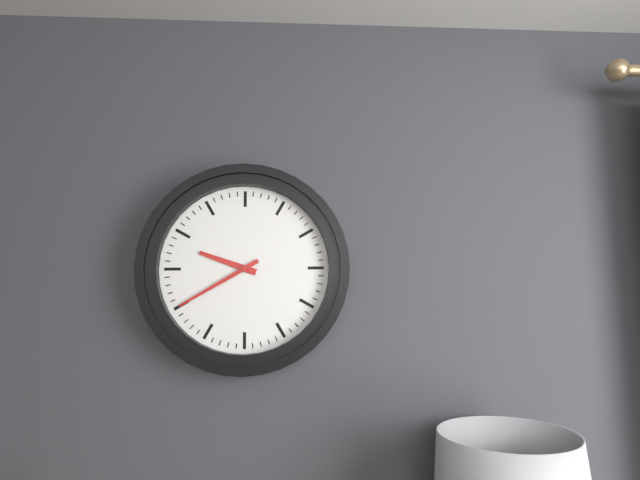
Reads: 9 h 40 min
